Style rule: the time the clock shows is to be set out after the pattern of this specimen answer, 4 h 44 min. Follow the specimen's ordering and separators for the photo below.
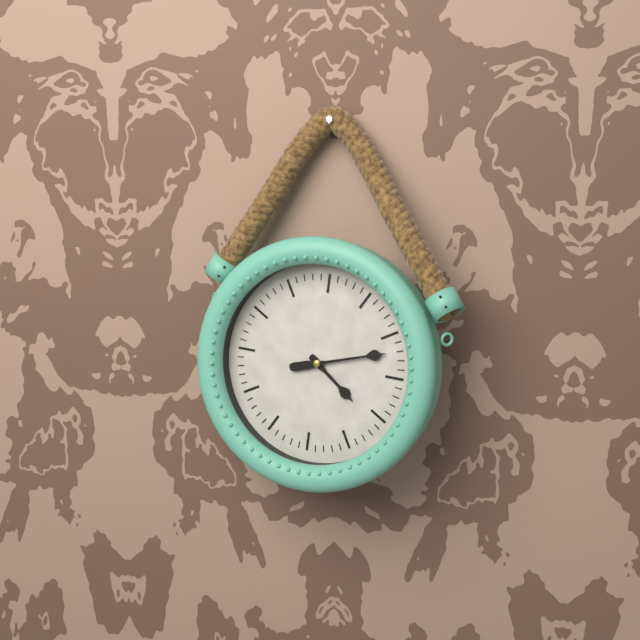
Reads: 4 h 12 min
